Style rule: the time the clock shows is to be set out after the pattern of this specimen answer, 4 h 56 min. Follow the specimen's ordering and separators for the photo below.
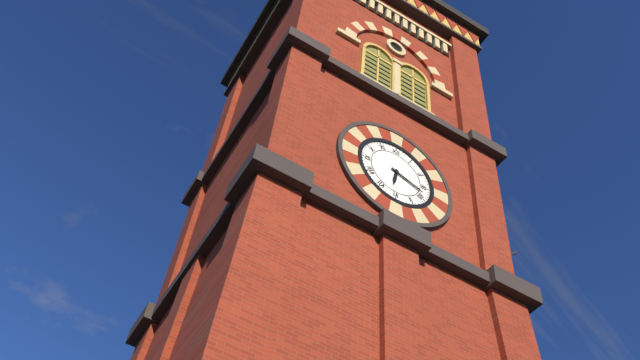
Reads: 6 h 18 min
